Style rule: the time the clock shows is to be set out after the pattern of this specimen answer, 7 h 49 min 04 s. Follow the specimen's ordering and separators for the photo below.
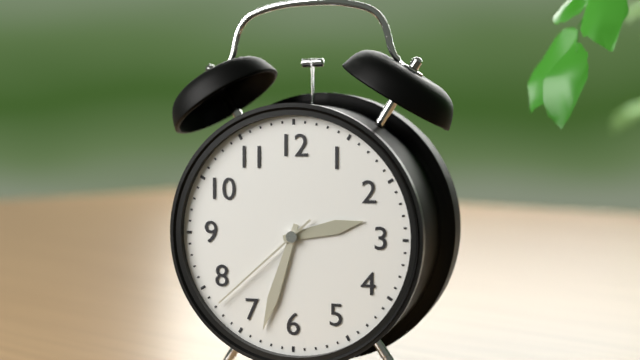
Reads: 2 h 33 min 38 s
